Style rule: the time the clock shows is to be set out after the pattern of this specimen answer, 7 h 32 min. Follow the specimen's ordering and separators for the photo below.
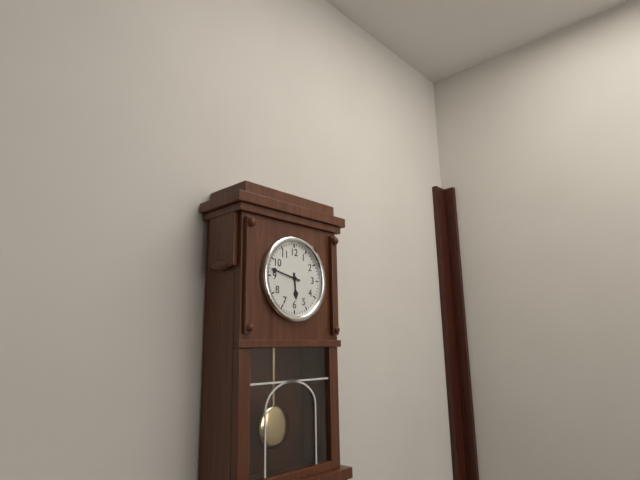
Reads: 5 h 47 min
